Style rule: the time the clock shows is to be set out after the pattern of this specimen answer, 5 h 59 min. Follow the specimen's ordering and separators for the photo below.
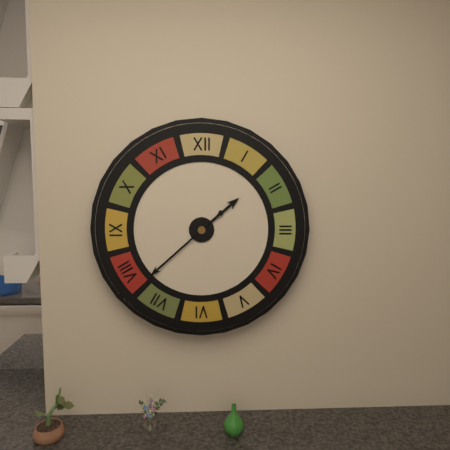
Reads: 1 h 38 min
